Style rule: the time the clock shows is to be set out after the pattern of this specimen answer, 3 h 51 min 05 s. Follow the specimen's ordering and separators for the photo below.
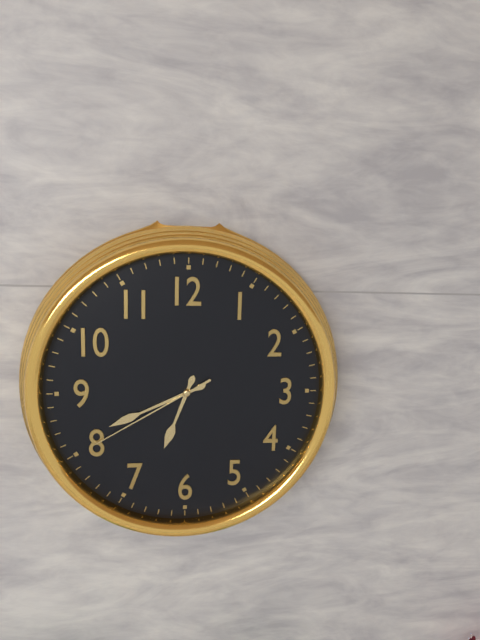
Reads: 6 h 41 min 40 s
